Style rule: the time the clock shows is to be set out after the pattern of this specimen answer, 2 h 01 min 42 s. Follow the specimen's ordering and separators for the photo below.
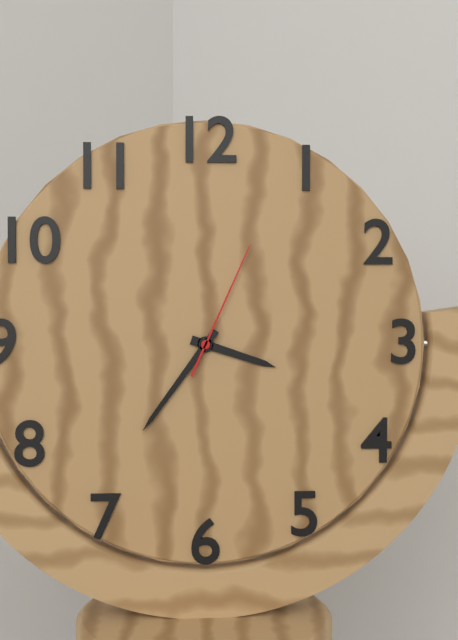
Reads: 3 h 36 min 04 s
